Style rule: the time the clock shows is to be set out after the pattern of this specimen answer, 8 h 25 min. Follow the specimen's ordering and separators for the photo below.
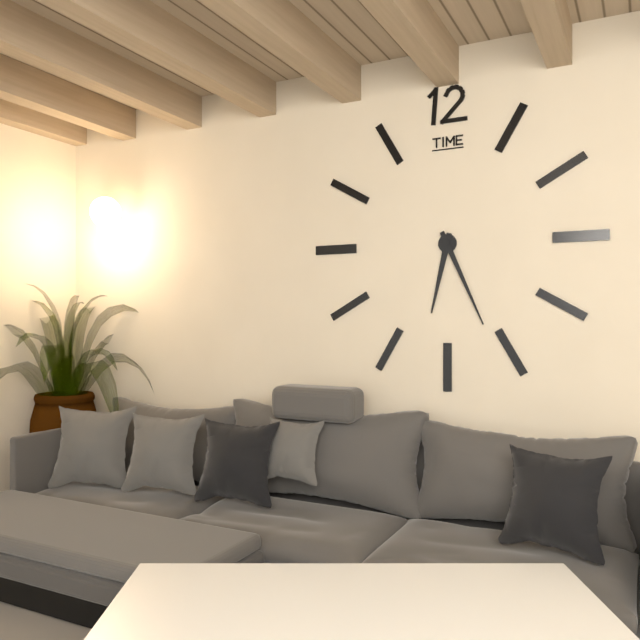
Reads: 6 h 26 min
